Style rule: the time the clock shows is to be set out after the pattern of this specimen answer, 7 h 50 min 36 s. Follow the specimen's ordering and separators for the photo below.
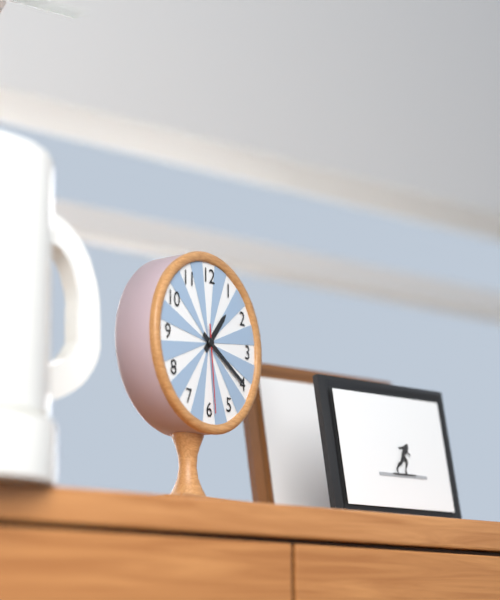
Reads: 1 h 20 min 29 s
